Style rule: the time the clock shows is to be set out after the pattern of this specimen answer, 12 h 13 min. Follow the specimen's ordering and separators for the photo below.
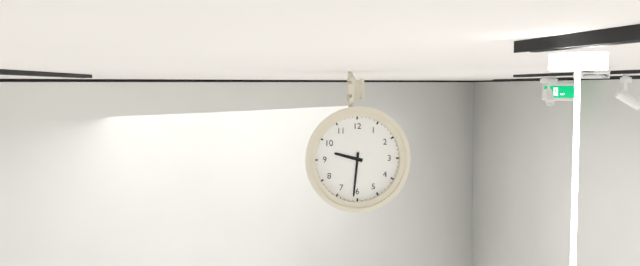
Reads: 9 h 31 min
